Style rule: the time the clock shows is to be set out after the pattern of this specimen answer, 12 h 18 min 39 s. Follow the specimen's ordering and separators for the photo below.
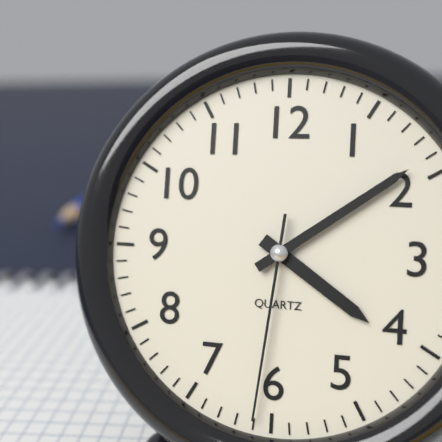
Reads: 4 h 09 min 31 s
